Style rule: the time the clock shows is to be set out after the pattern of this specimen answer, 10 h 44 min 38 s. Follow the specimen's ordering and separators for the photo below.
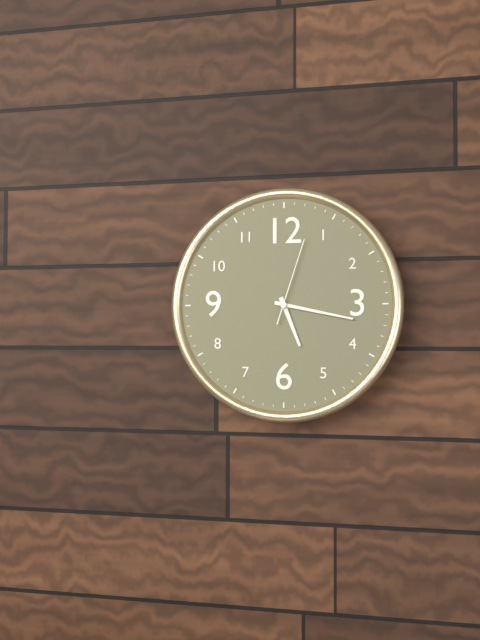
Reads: 5 h 17 min 03 s
